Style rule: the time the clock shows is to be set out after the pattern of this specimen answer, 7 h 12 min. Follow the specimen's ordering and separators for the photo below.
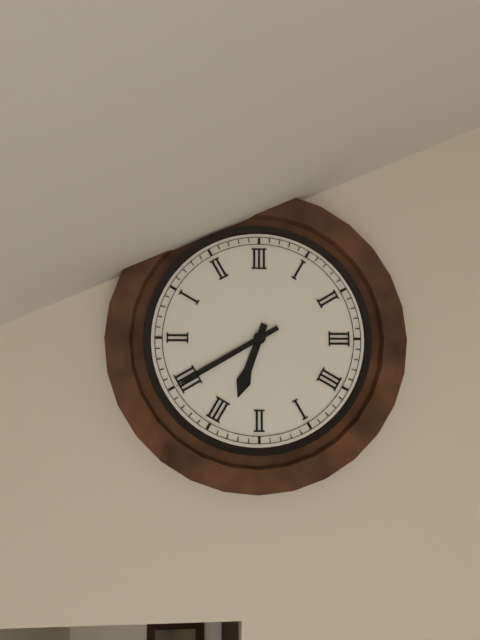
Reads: 6 h 40 min
